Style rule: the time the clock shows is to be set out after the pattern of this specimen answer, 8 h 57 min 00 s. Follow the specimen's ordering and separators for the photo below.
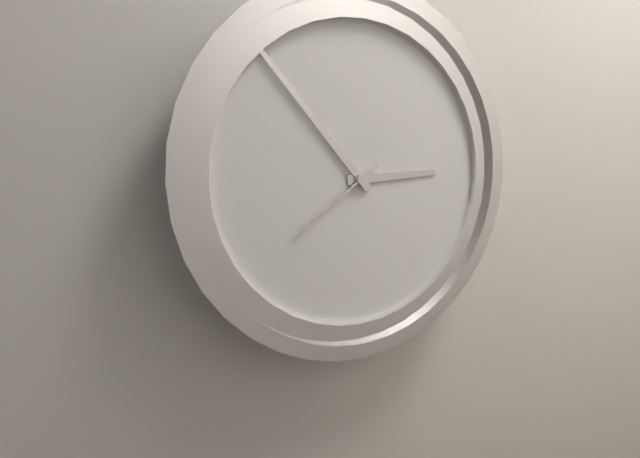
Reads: 2 h 53 min 39 s
